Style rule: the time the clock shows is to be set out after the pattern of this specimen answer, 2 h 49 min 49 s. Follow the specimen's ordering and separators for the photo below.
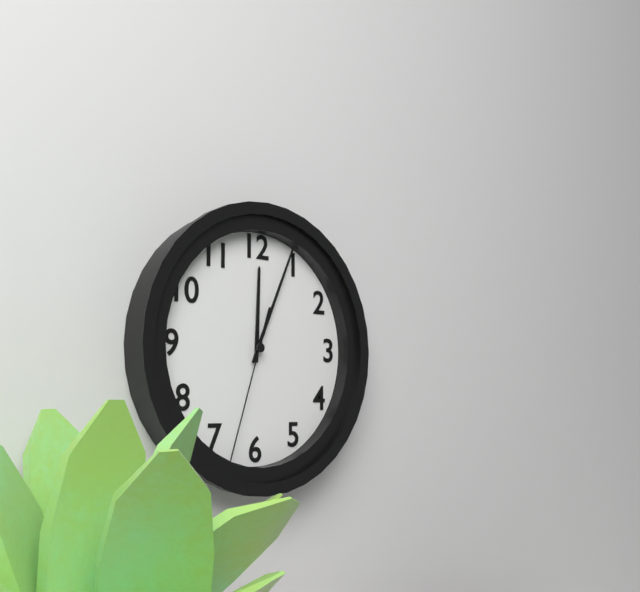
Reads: 12 h 04 min 33 s
